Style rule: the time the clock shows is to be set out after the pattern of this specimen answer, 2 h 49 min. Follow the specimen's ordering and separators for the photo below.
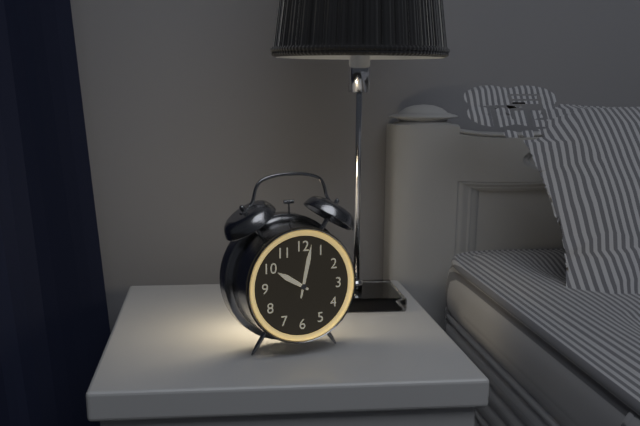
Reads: 10 h 02 min
